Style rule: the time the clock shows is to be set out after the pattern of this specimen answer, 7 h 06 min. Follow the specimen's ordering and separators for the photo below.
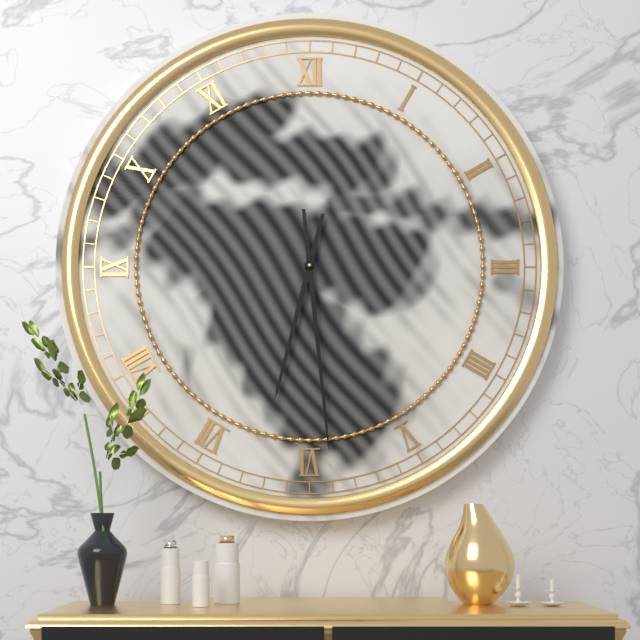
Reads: 6 h 29 min
